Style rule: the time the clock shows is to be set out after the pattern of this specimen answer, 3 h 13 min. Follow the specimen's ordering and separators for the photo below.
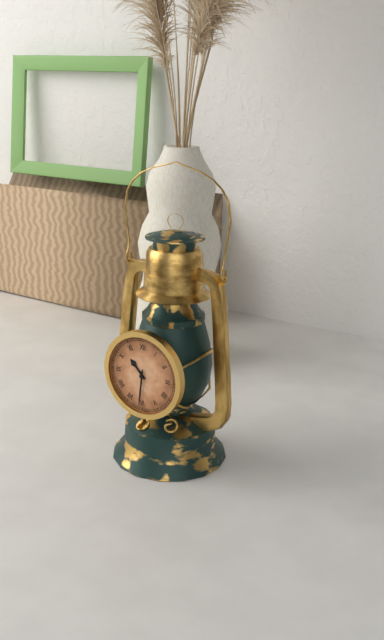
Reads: 10 h 31 min
